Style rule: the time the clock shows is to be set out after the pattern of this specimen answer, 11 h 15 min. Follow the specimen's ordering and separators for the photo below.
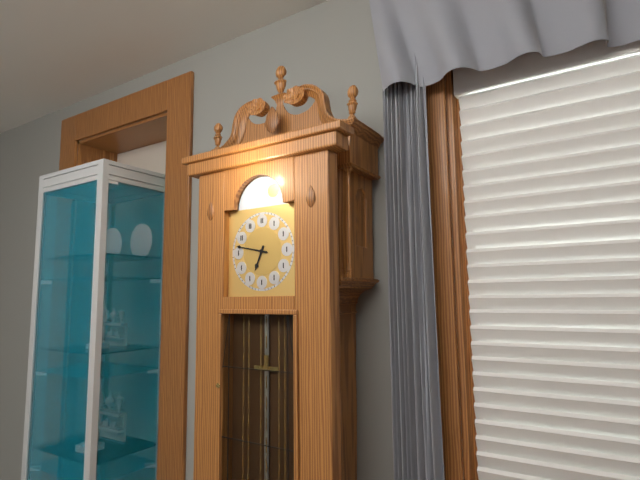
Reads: 6 h 47 min
